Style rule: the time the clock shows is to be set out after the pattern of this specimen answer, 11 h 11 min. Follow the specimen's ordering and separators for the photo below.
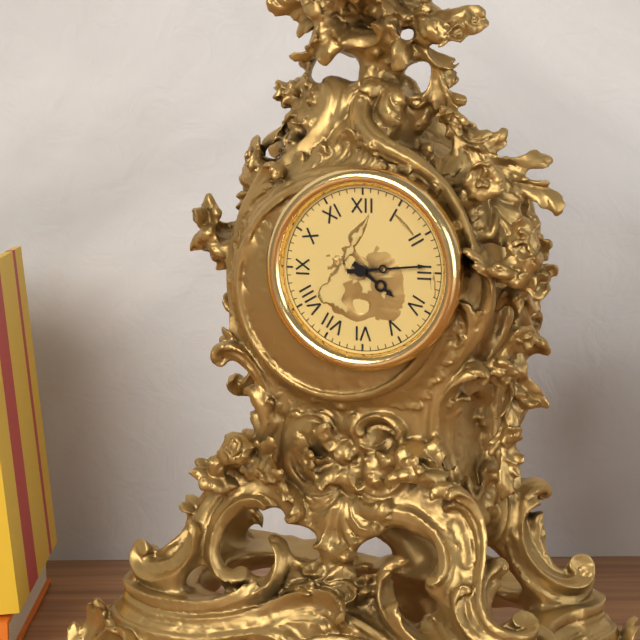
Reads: 4 h 14 min
